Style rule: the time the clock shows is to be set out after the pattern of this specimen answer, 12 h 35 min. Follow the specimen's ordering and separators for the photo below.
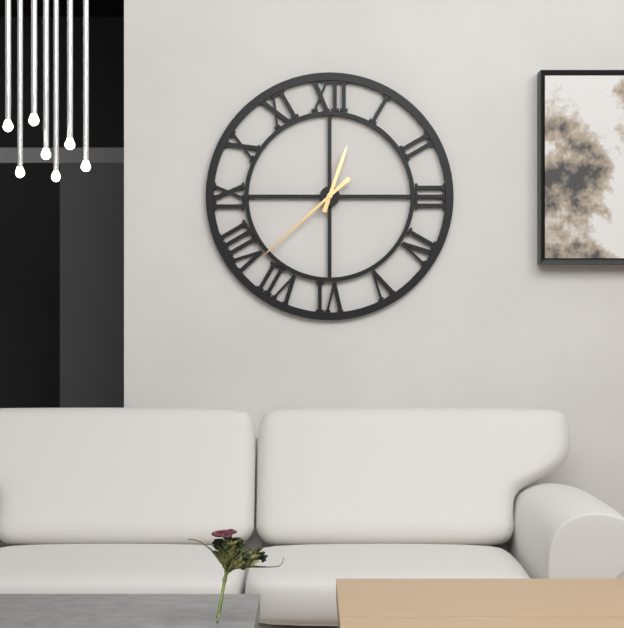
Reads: 12 h 38 min
